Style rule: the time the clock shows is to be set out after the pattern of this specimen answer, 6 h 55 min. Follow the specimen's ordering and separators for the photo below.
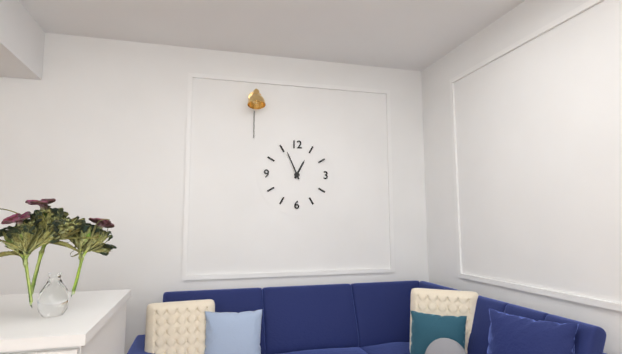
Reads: 12 h 56 min
